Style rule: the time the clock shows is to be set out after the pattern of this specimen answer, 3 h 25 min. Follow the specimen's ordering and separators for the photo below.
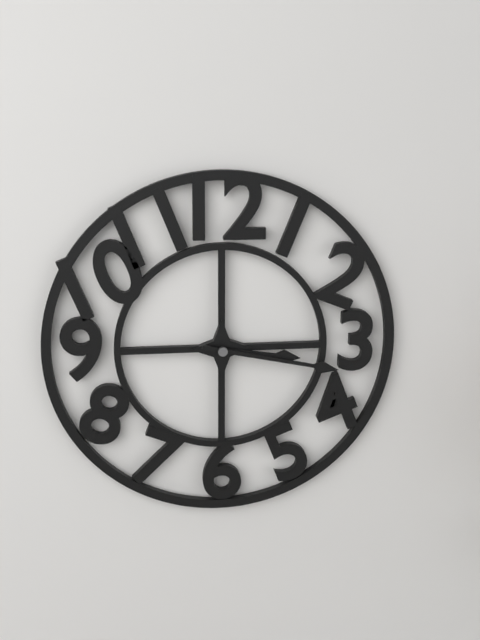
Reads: 3 h 17 min
